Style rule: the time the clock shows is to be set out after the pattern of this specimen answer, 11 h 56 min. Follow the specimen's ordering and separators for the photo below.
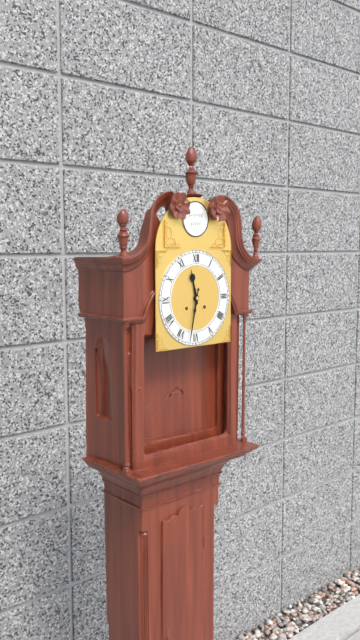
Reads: 11 h 32 min
